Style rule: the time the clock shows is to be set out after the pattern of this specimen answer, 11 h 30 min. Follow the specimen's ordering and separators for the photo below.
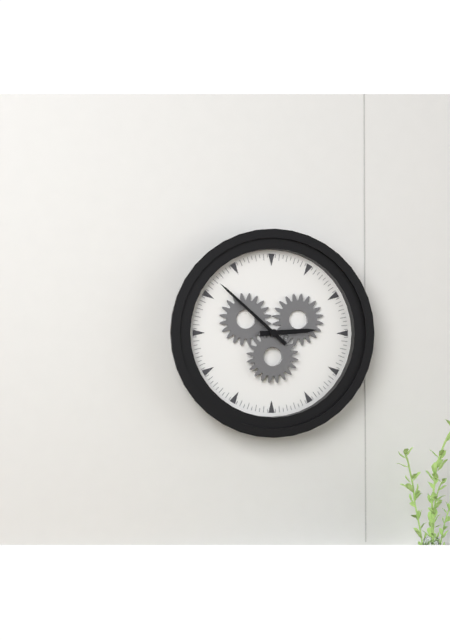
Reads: 2 h 52 min
